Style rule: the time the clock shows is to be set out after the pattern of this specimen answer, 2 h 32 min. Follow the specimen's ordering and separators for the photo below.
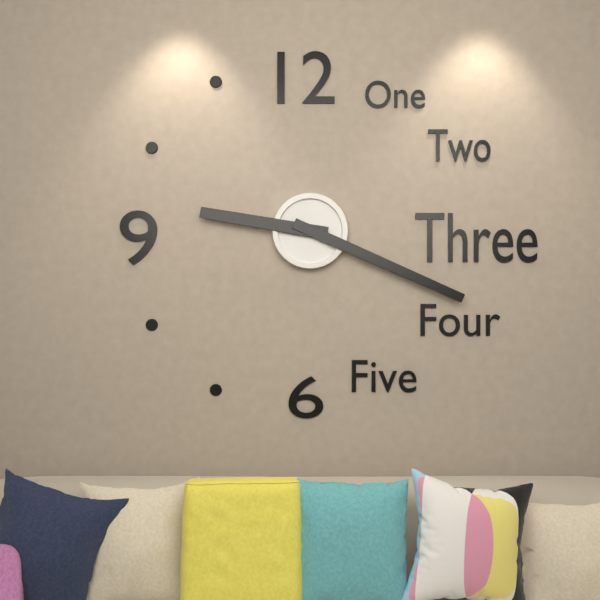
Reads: 9 h 19 min
